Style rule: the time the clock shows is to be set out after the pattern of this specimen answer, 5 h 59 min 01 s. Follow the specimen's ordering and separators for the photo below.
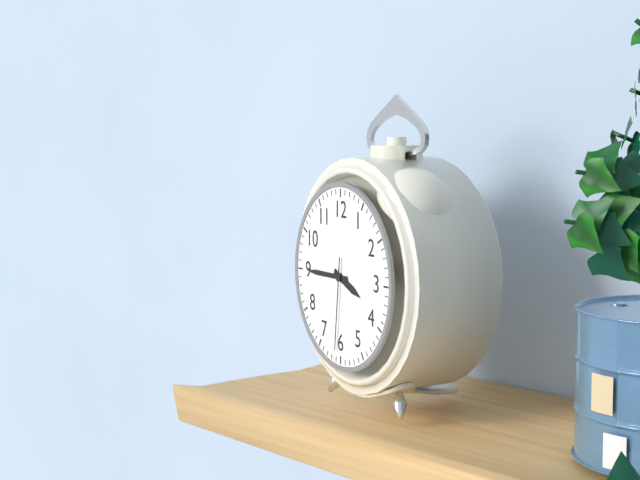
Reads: 3 h 45 min 31 s
